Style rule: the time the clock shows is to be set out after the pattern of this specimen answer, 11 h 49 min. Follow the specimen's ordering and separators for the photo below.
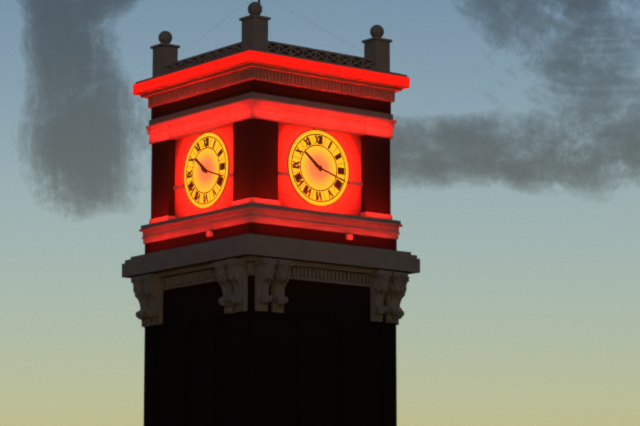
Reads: 10 h 18 min
